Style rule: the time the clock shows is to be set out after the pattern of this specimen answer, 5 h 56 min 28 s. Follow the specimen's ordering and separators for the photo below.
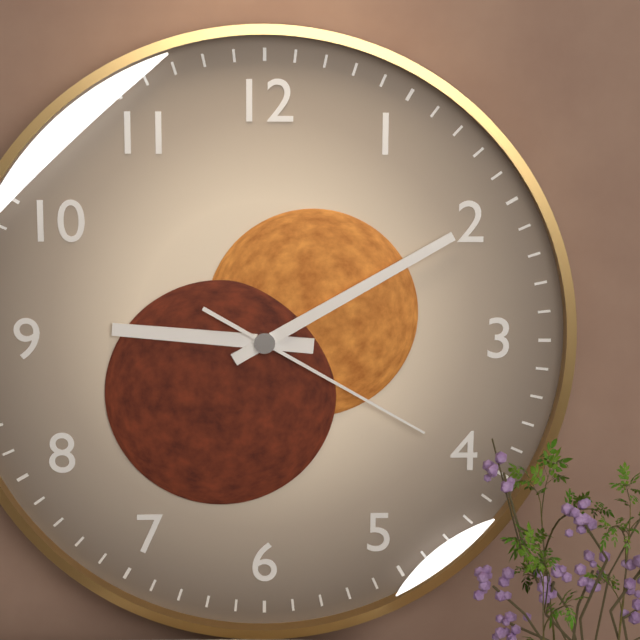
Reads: 9 h 10 min 20 s
